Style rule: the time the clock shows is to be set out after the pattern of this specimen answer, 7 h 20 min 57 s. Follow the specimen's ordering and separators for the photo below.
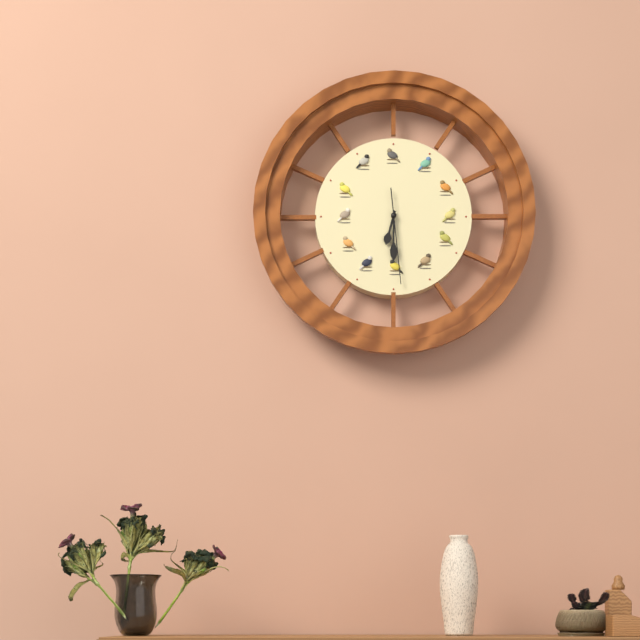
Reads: 6 h 30 min 29 s
